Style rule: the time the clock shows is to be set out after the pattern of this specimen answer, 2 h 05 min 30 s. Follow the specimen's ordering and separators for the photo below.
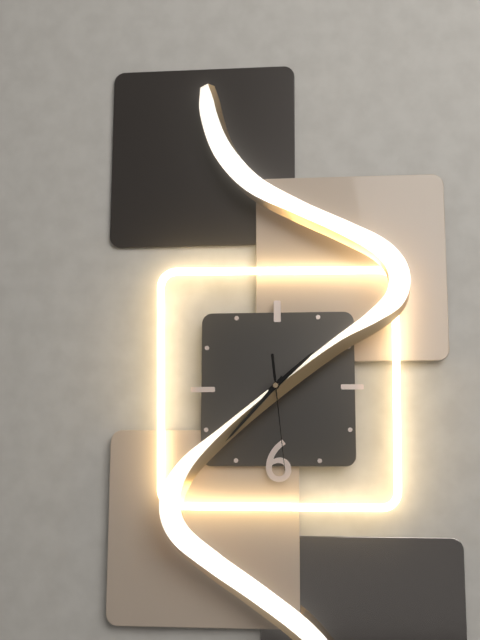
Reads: 1 h 37 min 29 s
